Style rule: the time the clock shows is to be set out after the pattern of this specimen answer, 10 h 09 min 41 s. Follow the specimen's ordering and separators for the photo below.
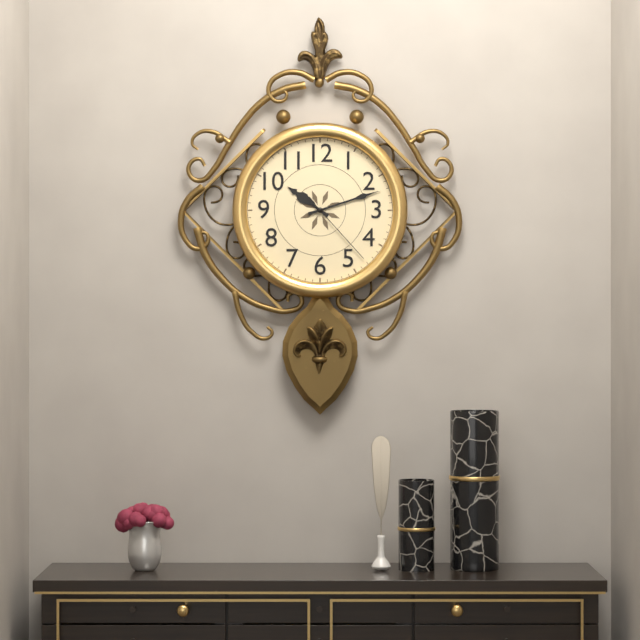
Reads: 10 h 12 min 23 s
